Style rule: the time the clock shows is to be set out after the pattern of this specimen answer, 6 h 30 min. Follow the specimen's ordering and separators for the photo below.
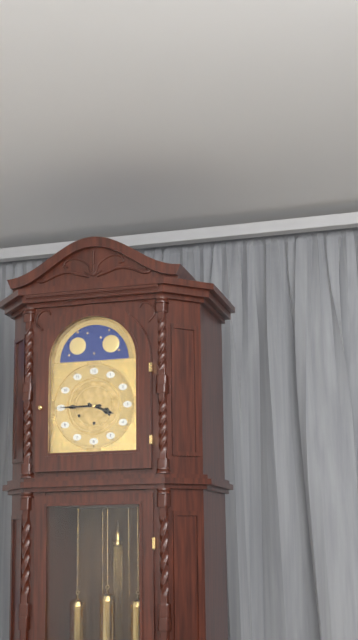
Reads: 3 h 45 min
